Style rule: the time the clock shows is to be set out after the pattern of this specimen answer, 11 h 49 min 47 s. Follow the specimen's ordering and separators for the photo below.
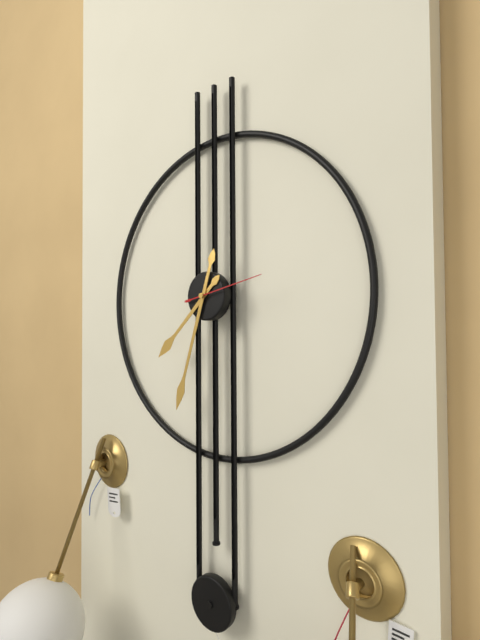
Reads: 7 h 33 min 13 s
